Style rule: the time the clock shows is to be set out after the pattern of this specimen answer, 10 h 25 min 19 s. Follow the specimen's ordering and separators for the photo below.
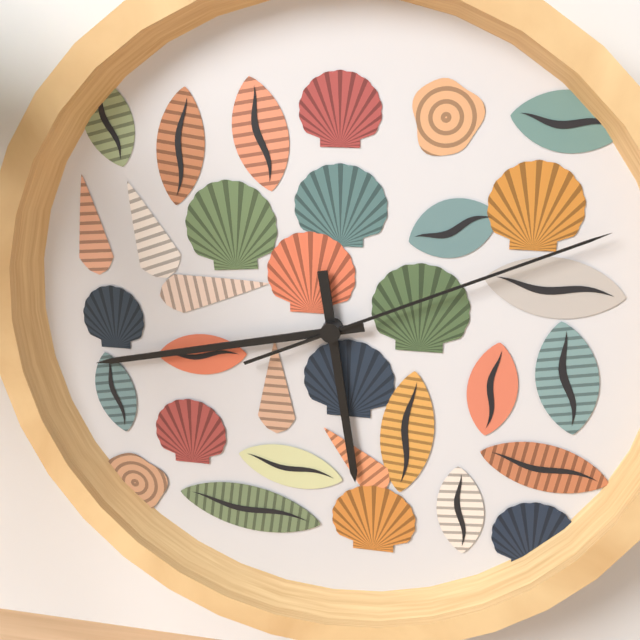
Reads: 5 h 43 min 11 s
